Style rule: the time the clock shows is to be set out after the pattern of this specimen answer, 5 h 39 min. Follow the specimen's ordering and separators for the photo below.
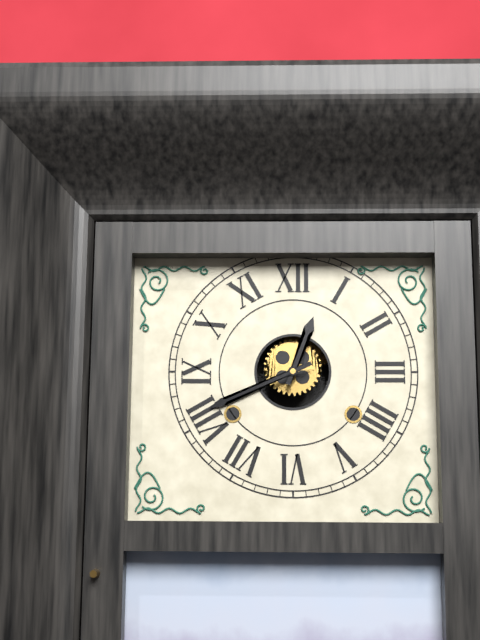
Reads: 12 h 41 min
